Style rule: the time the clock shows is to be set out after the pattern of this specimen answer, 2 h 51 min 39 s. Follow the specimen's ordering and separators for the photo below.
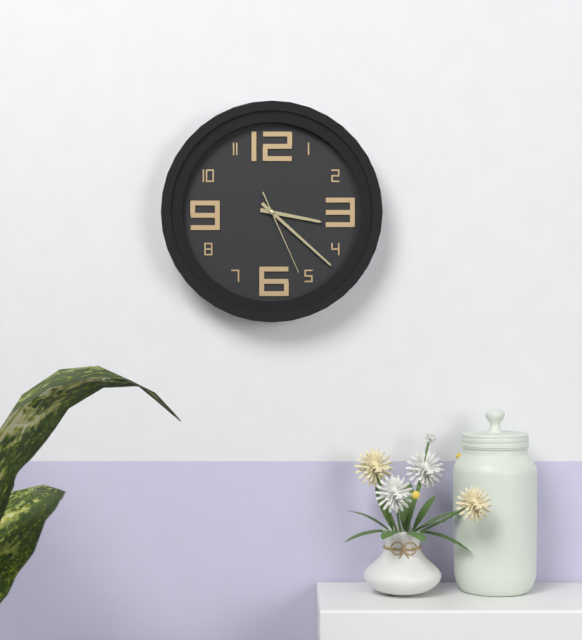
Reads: 3 h 22 min 26 s
